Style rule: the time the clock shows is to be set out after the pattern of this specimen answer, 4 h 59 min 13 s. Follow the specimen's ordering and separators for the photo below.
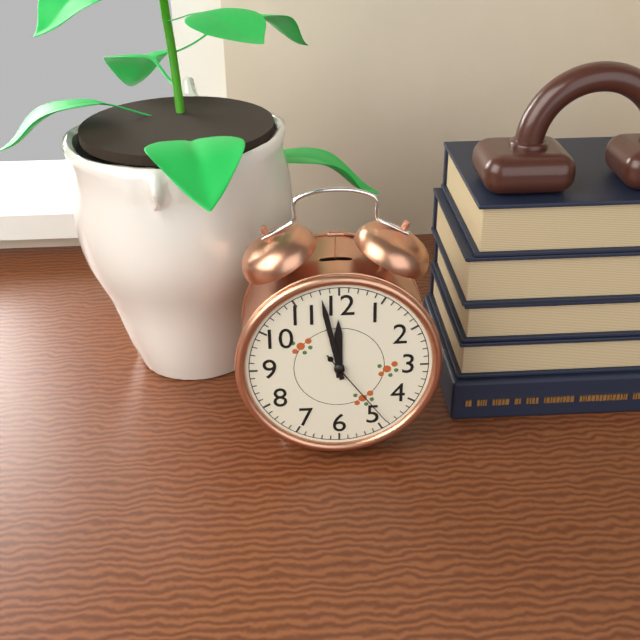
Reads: 11 h 58 min 24 s
